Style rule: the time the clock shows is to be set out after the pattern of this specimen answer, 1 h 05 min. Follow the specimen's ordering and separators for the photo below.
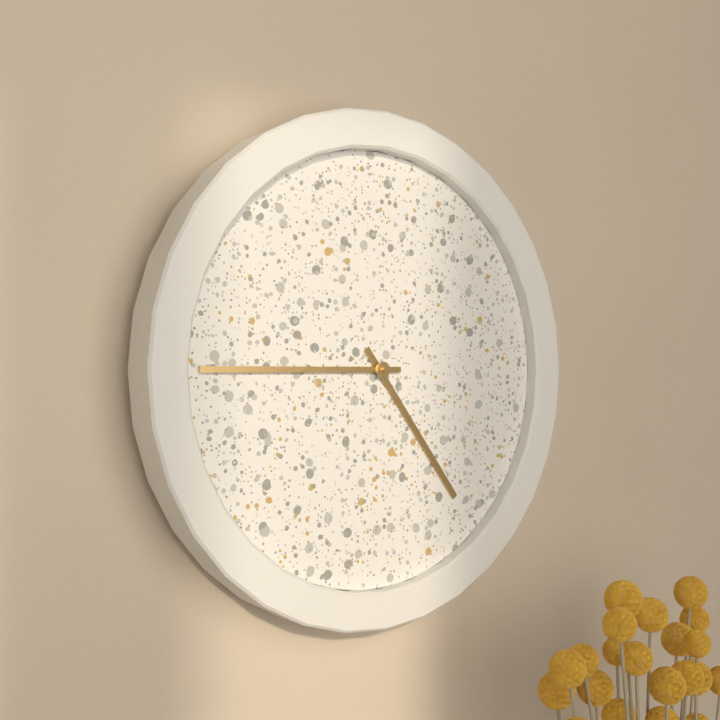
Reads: 4 h 45 min
